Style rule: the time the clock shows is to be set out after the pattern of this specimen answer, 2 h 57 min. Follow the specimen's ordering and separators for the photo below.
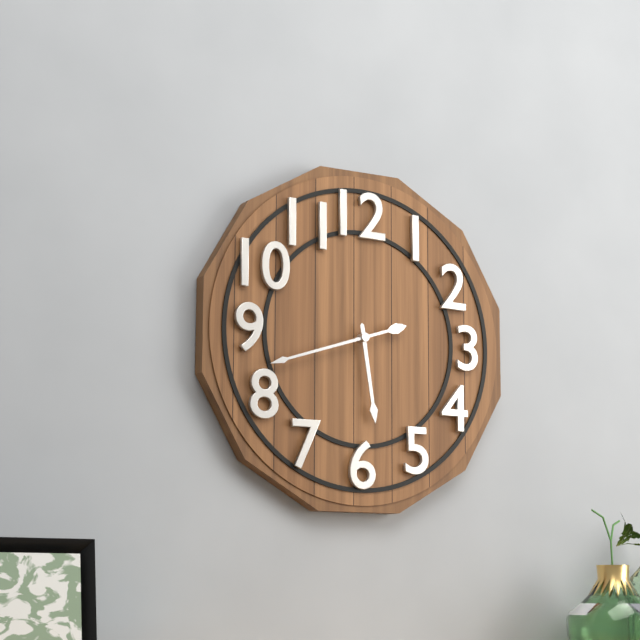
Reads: 5 h 42 min
